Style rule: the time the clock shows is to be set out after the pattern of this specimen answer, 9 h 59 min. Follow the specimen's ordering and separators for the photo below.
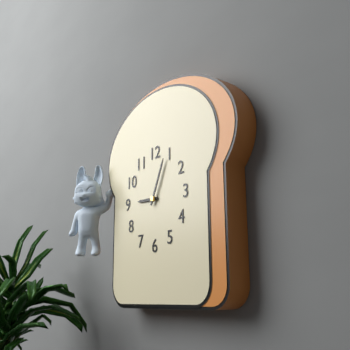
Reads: 9 h 04 min
